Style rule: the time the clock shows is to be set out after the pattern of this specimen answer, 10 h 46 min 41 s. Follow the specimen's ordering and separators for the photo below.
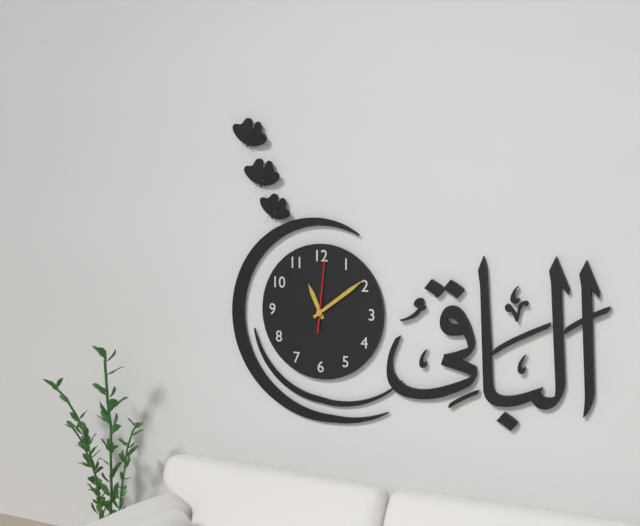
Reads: 11 h 09 min 01 s
